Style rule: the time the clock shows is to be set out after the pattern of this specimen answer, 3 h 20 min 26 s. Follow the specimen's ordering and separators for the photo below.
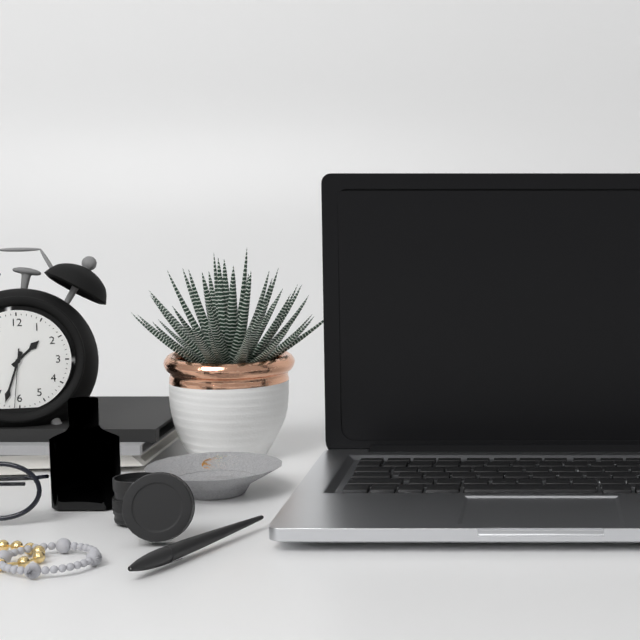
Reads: 1 h 33 min 31 s
